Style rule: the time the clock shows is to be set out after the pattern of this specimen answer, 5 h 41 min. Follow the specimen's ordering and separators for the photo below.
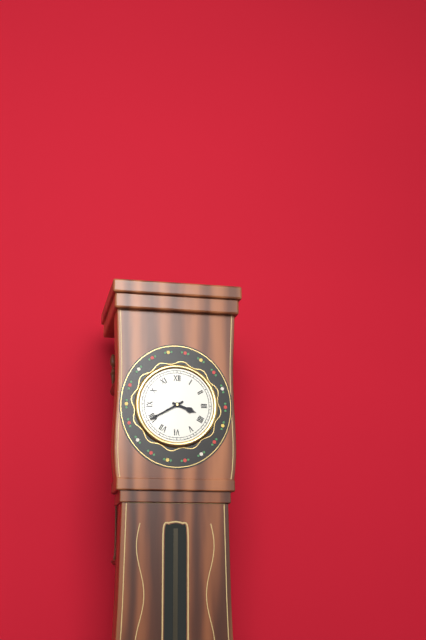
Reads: 3 h 40 min
